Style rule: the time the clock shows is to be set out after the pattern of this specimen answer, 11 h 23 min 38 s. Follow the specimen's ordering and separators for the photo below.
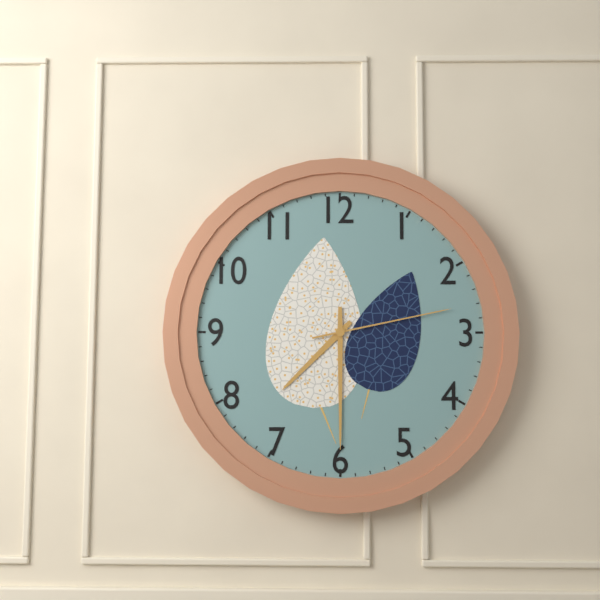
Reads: 7 h 30 min 13 s
